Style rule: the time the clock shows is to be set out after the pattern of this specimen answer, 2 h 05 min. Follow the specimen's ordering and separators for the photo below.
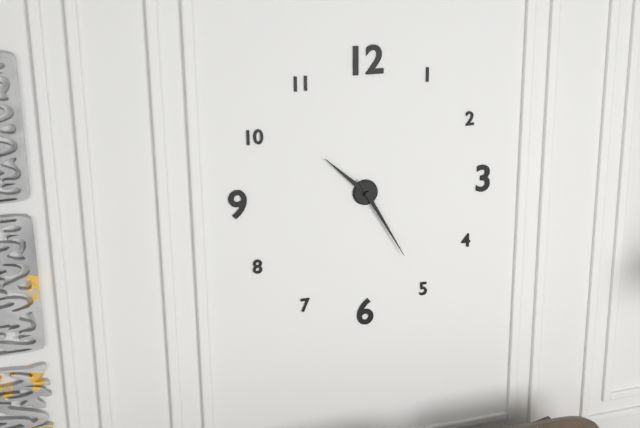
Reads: 10 h 25 min
